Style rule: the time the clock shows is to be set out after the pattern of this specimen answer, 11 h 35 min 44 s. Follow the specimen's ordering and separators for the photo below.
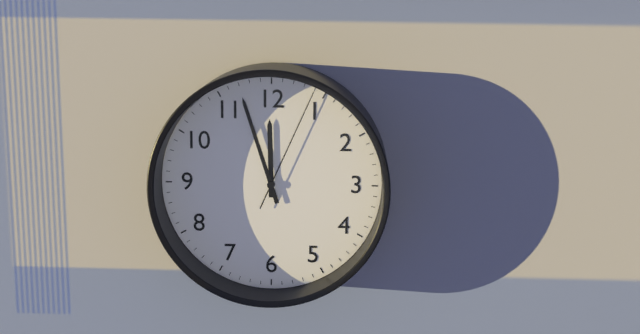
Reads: 11 h 57 min 04 s
